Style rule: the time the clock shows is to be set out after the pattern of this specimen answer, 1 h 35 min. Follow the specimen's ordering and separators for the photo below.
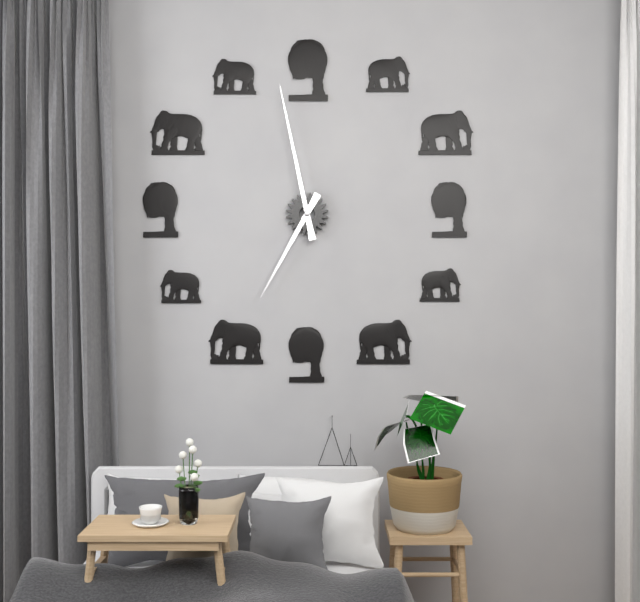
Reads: 6 h 58 min
